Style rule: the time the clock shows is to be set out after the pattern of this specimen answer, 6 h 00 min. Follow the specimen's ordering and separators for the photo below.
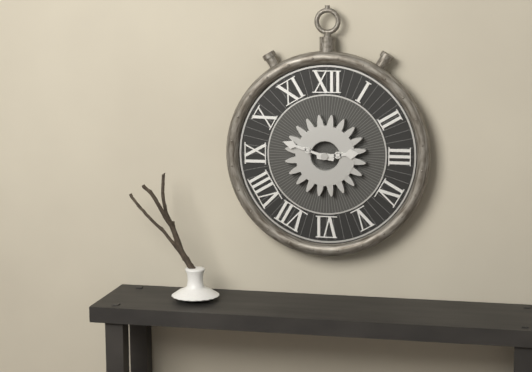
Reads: 2 h 48 min
